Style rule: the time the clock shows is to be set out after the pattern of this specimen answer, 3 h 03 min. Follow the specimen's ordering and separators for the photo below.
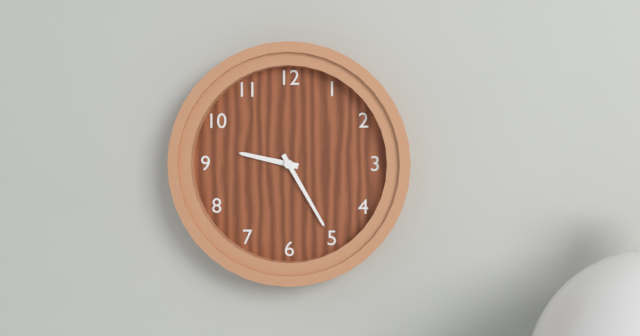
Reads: 9 h 25 min
